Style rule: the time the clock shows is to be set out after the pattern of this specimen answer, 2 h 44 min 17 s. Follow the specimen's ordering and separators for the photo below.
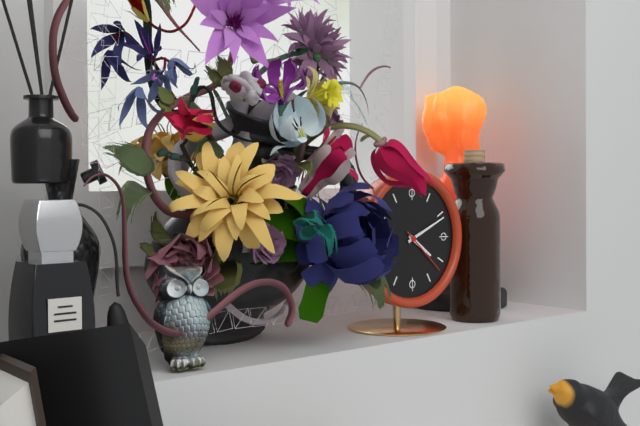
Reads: 4 h 11 min 22 s
